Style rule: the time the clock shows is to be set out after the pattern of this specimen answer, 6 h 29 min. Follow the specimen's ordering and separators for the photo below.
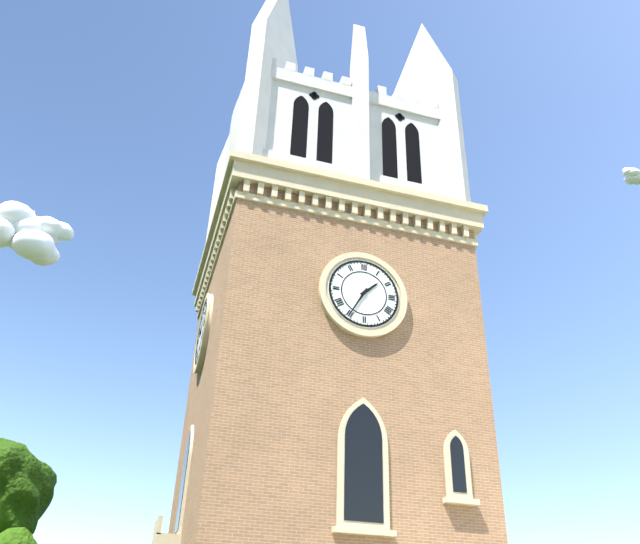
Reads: 1 h 35 min
